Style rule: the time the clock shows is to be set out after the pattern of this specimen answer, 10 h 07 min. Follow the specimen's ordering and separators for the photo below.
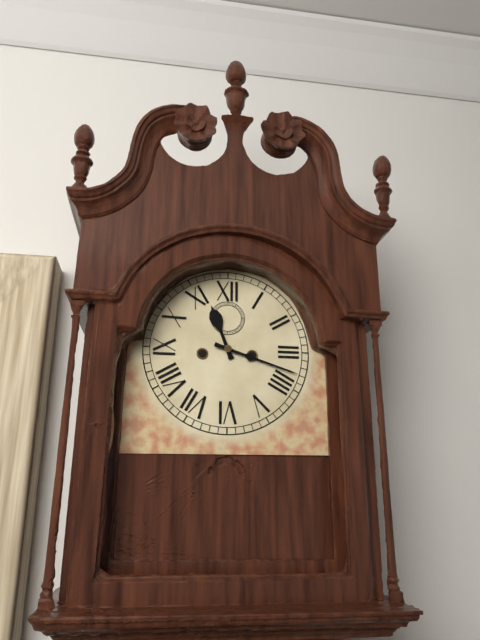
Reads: 11 h 18 min
